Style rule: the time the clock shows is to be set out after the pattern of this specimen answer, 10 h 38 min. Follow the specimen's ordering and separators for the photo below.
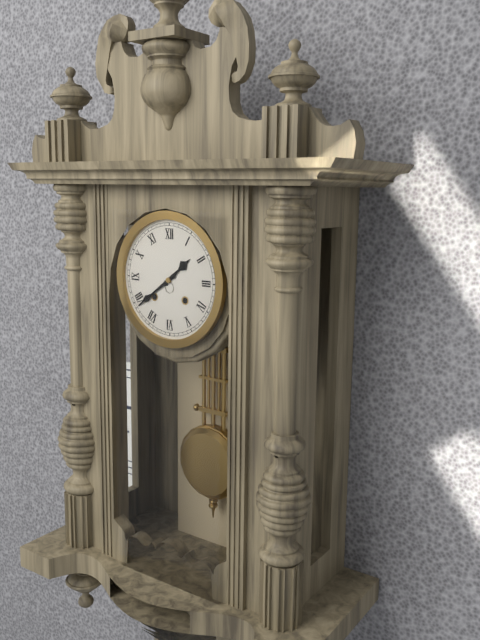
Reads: 1 h 39 min
